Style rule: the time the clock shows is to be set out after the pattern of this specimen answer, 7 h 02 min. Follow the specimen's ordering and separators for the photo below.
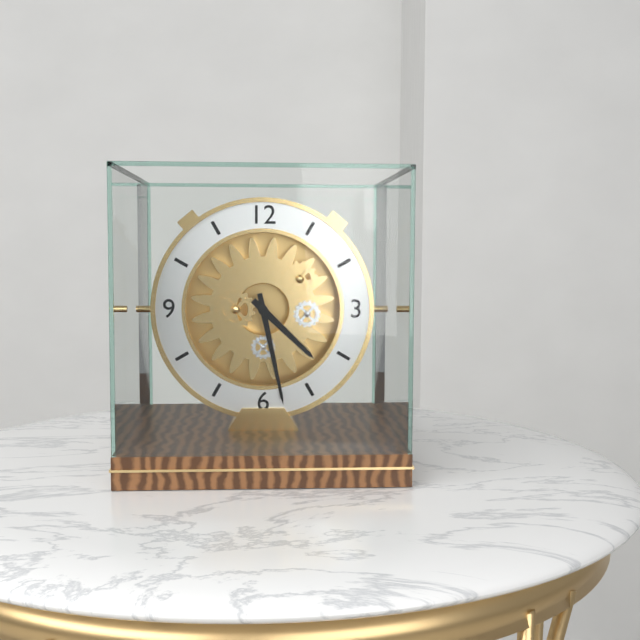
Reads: 4 h 28 min
